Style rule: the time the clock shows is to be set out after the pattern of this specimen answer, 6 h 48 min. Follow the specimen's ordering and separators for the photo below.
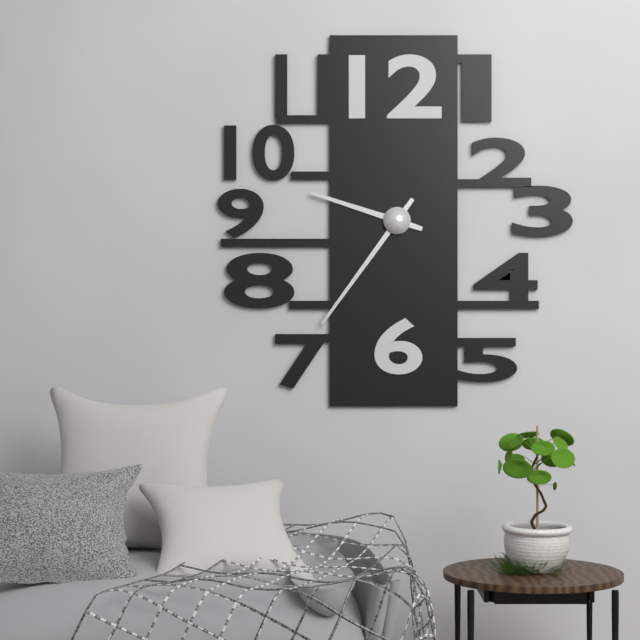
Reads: 9 h 36 min
